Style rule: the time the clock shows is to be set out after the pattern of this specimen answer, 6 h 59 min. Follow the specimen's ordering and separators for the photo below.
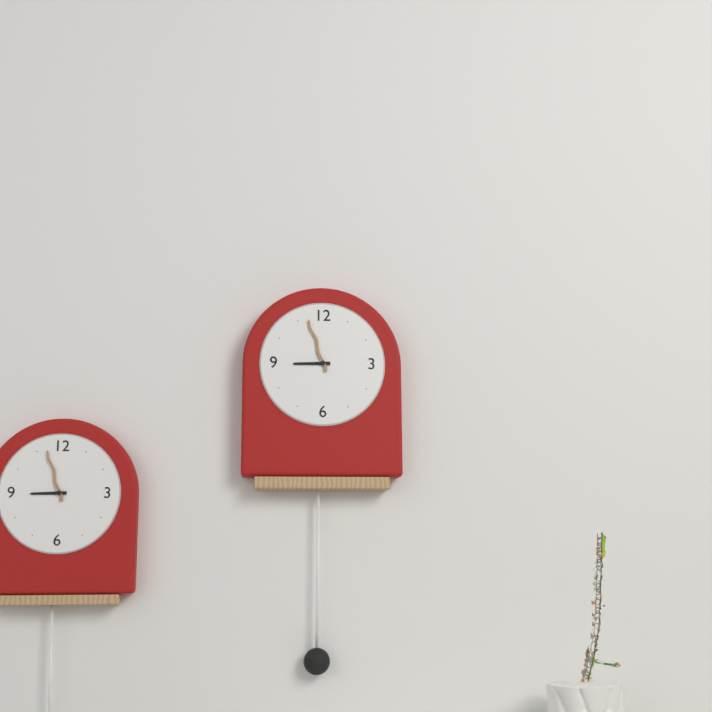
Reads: 8 h 57 min
